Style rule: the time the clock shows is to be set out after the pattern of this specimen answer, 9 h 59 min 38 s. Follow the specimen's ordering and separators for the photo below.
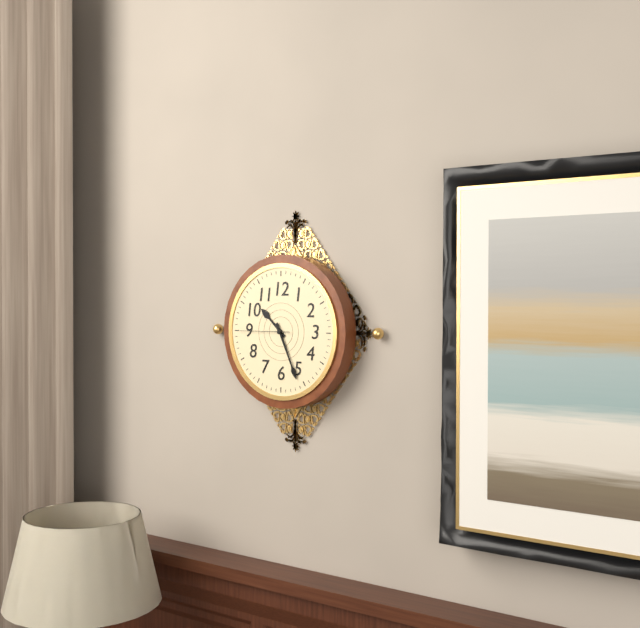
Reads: 10 h 26 min 45 s
